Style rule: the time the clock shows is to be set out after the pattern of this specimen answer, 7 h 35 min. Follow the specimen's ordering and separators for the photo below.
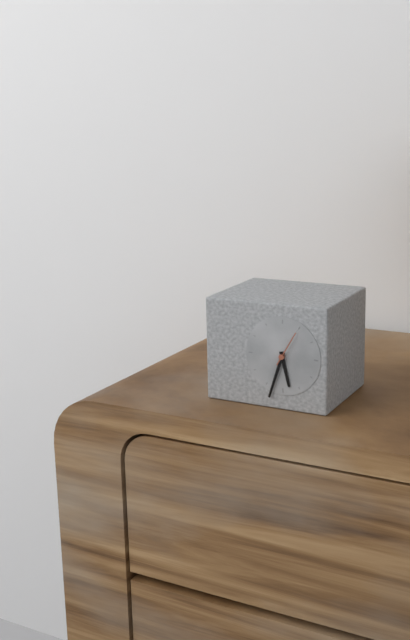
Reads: 5 h 33 min
